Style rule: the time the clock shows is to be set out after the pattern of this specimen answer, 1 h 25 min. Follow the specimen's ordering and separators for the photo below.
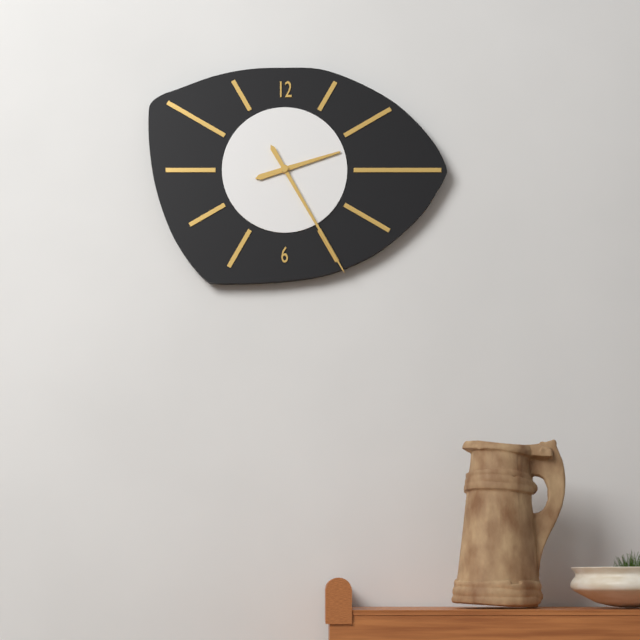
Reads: 2 h 25 min
